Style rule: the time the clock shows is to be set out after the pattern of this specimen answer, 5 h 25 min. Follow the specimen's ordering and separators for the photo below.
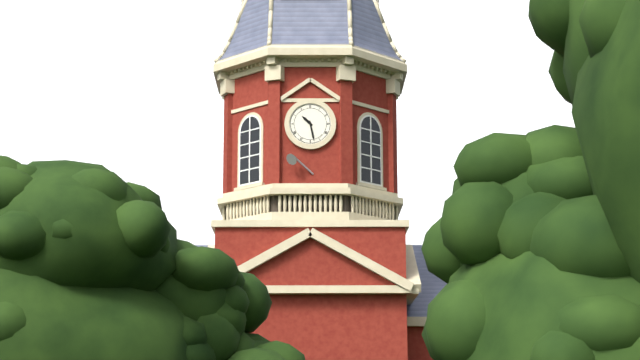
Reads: 10 h 28 min
